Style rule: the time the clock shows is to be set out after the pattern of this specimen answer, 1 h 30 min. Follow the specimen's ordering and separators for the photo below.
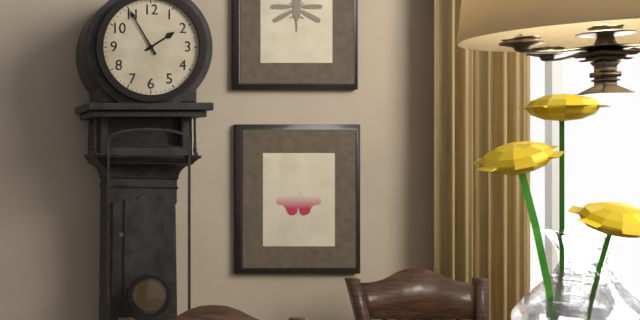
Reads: 1 h 55 min
